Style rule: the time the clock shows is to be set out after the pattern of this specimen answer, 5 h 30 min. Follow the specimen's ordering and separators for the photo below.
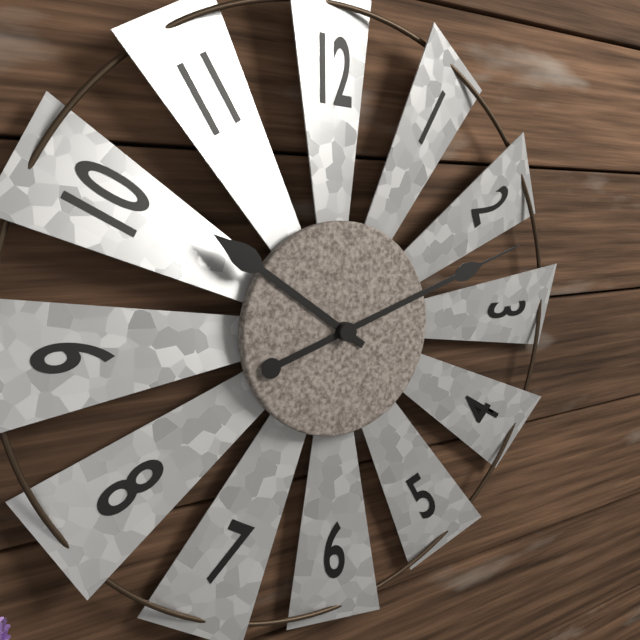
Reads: 10 h 12 min
